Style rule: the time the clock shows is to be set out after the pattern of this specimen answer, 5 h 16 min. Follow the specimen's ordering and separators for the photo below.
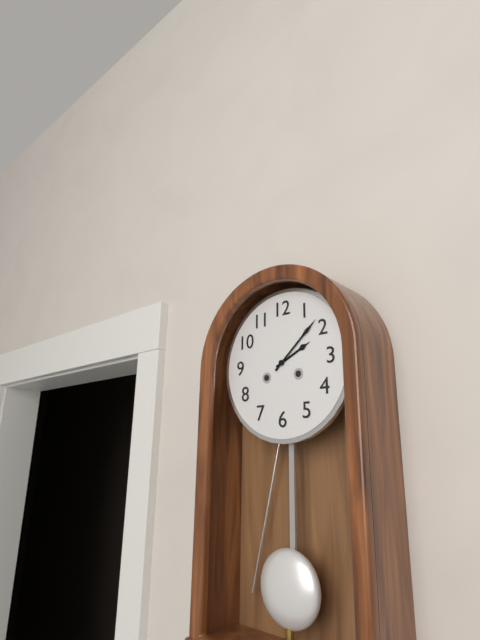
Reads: 2 h 08 min
